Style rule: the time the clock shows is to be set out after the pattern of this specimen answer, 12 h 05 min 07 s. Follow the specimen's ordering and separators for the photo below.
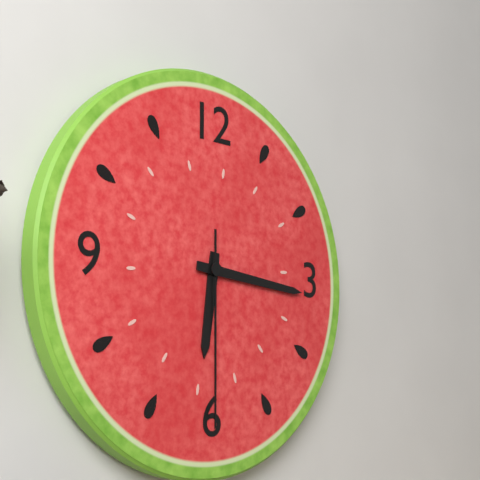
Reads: 6 h 16 min 30 s
